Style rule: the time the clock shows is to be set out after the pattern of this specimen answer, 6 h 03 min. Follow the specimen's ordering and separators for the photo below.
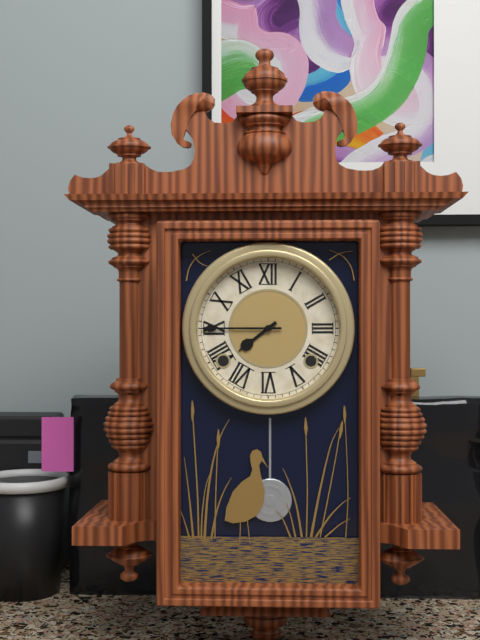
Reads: 7 h 45 min
